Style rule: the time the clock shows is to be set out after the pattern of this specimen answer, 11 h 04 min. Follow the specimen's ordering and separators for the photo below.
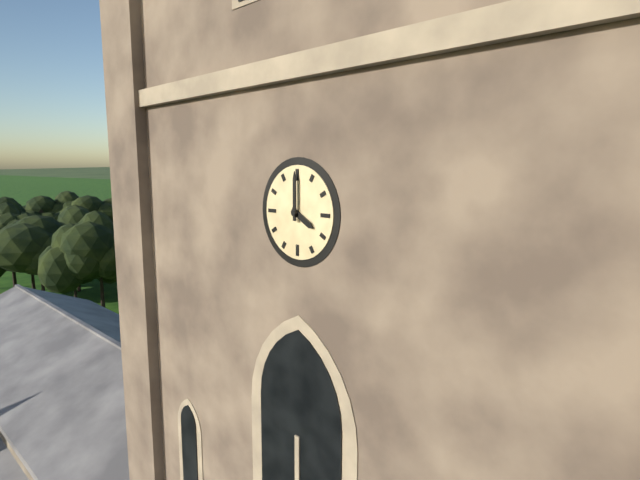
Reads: 4 h 00 min
